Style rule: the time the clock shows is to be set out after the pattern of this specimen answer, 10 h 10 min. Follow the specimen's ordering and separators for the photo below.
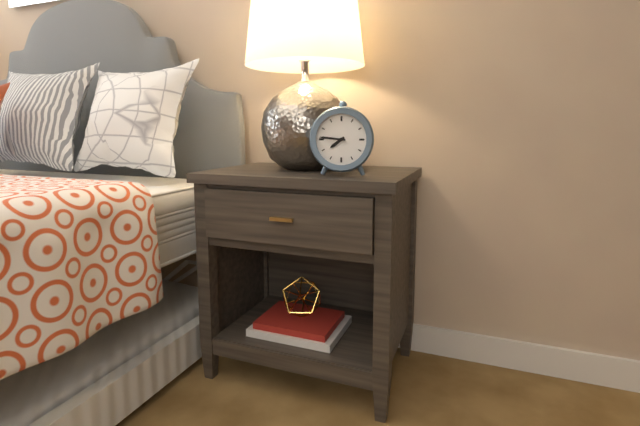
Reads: 7 h 46 min
